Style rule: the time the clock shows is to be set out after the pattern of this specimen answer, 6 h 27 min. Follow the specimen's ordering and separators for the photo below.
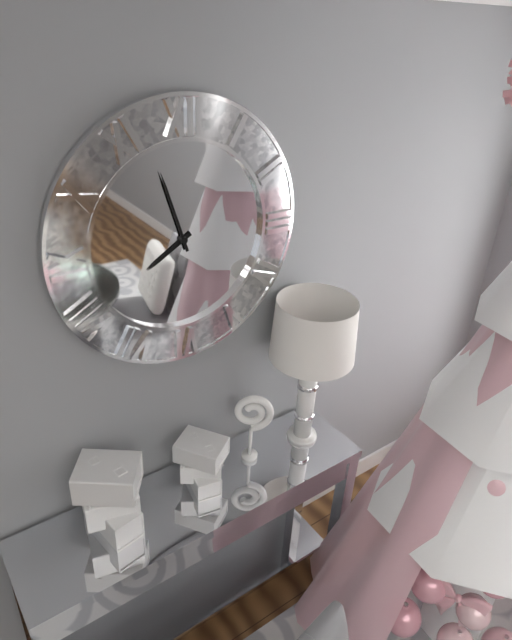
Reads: 7 h 57 min
